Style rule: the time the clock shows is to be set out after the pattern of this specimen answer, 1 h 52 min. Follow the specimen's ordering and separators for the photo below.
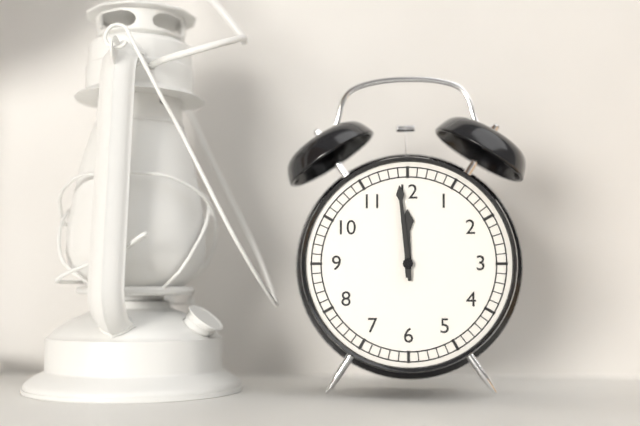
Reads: 11 h 59 min
